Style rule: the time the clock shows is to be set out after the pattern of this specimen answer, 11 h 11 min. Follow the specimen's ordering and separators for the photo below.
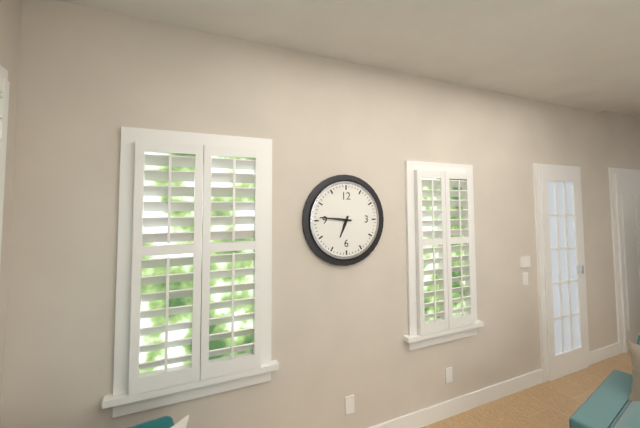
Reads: 6 h 46 min
